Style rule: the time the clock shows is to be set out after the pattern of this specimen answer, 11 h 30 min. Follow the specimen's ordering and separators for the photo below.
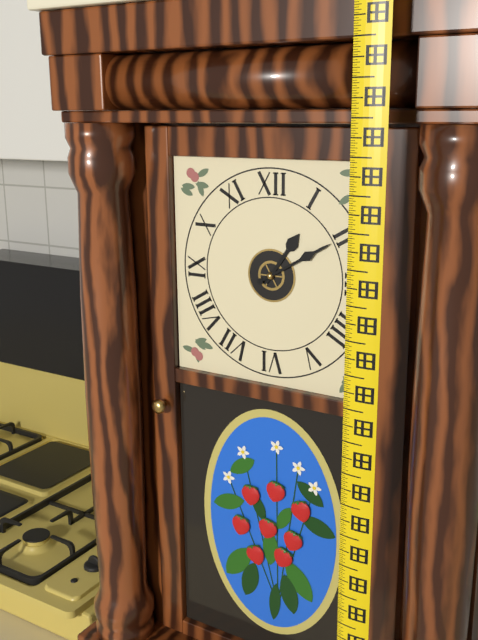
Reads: 1 h 10 min
